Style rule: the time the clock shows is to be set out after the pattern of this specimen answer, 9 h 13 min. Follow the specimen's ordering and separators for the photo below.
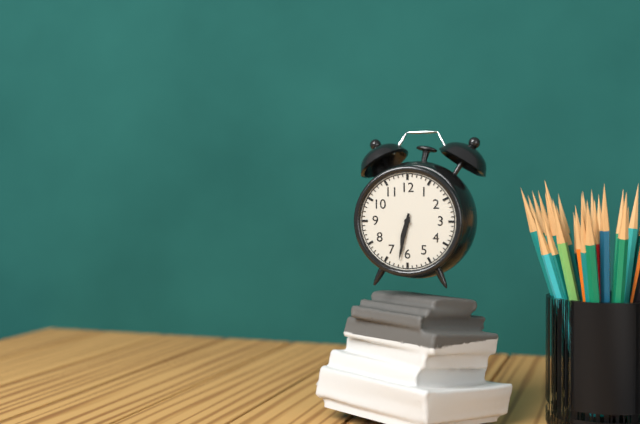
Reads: 6 h 32 min
